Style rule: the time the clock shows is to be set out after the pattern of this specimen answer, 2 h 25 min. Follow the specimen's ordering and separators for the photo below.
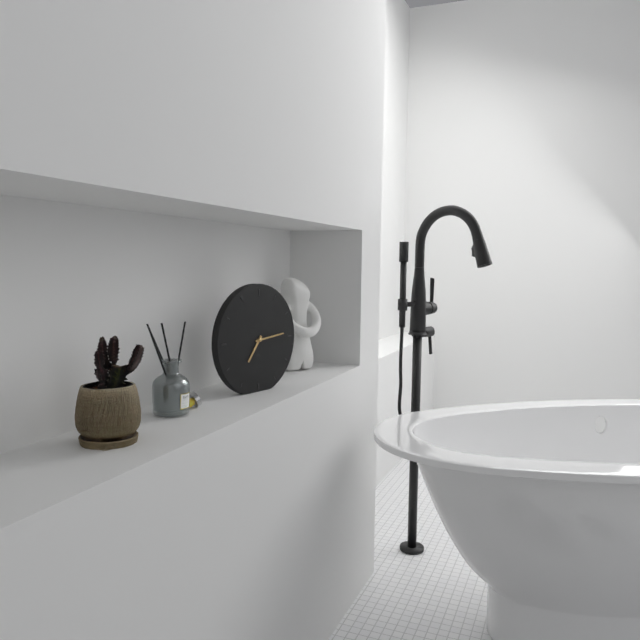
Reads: 7 h 14 min
